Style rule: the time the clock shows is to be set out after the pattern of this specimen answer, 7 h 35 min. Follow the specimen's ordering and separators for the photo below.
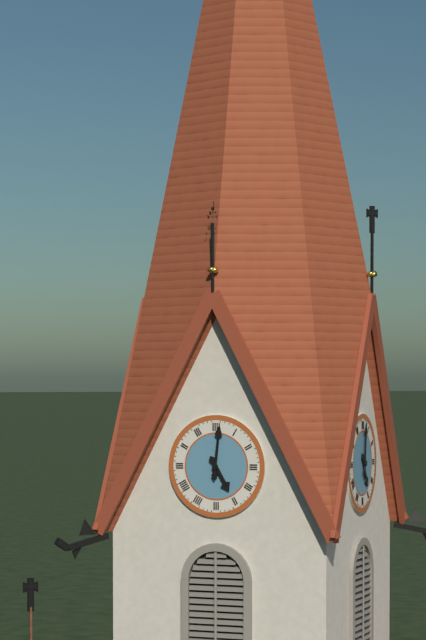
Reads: 5 h 01 min
